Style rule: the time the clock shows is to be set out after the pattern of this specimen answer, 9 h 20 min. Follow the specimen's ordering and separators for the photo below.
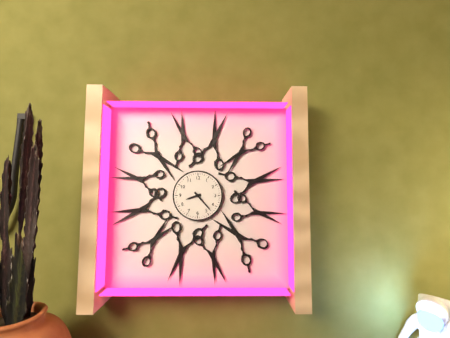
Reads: 8 h 23 min
